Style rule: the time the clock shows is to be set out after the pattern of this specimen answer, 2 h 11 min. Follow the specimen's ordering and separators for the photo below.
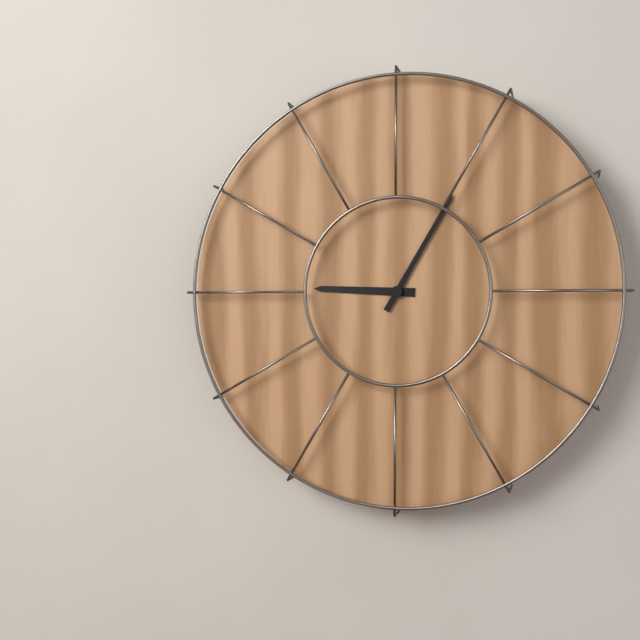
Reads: 9 h 05 min
